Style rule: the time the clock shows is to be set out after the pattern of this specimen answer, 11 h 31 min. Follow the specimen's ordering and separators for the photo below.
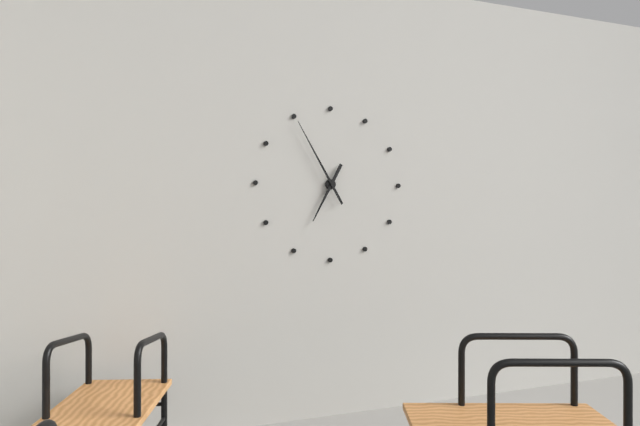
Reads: 6 h 55 min
